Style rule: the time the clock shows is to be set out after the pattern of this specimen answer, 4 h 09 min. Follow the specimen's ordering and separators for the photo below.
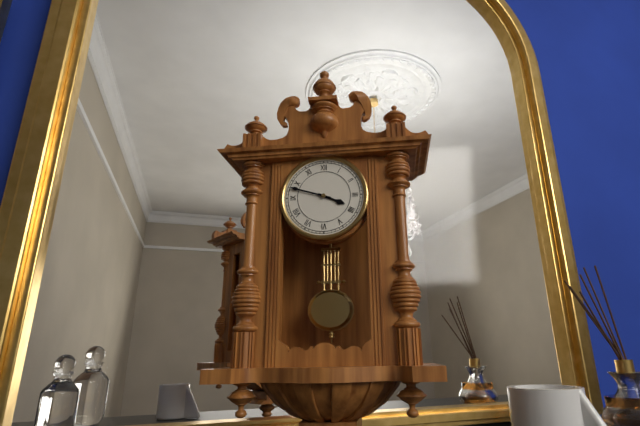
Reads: 3 h 48 min
